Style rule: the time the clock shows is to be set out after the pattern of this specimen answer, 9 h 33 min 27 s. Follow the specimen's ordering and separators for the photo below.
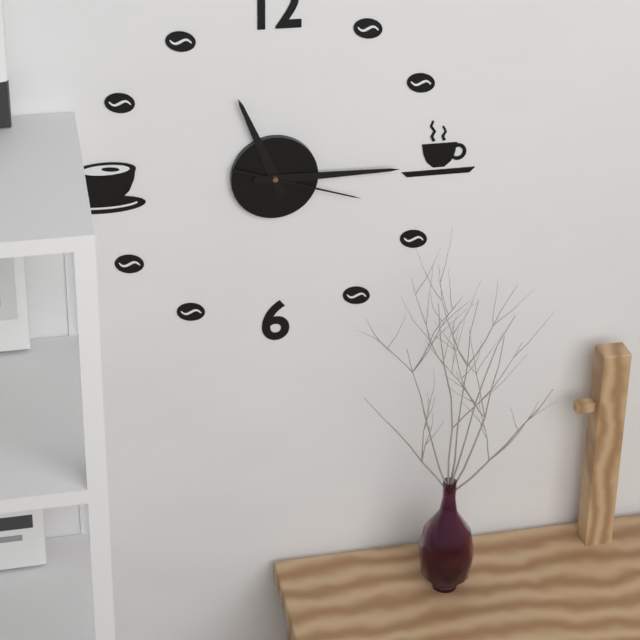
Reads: 11 h 15 min 18 s
